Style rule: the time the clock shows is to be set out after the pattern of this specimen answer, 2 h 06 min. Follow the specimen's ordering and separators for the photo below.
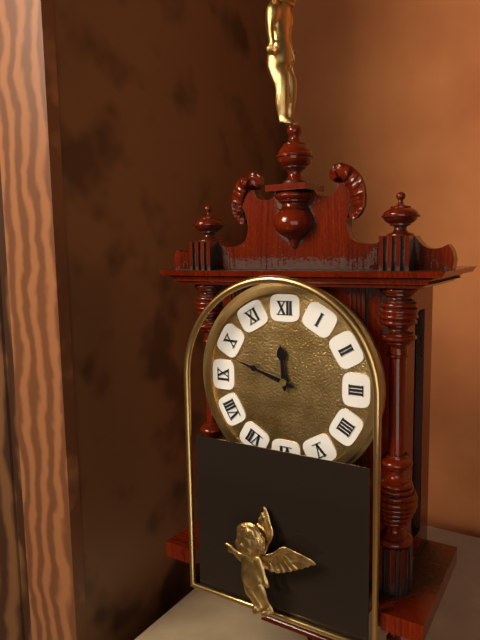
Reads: 11 h 48 min
